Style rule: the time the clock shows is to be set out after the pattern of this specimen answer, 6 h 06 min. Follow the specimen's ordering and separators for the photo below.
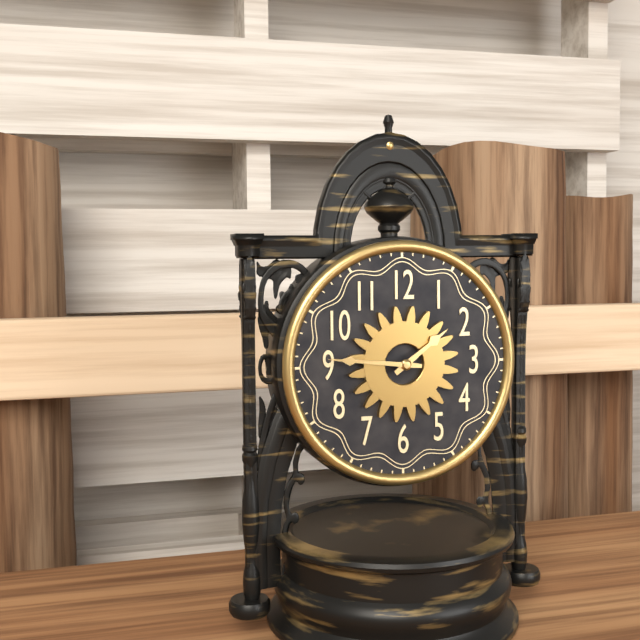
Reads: 1 h 46 min
